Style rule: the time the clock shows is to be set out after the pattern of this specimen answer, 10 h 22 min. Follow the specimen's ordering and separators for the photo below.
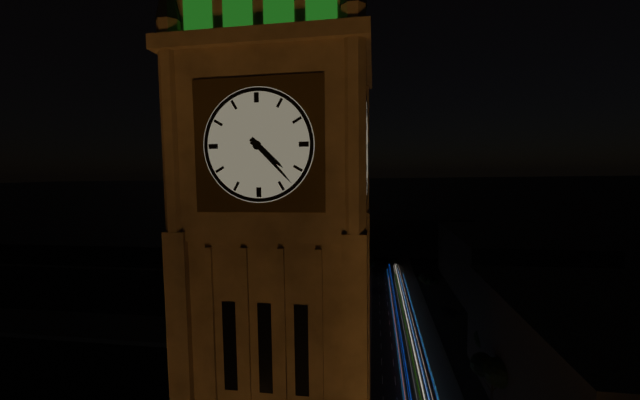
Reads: 4 h 23 min
